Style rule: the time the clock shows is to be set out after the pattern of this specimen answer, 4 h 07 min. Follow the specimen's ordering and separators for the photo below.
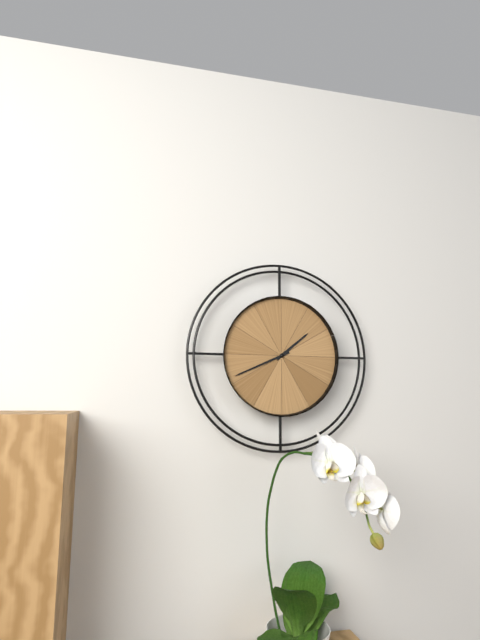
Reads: 1 h 41 min
